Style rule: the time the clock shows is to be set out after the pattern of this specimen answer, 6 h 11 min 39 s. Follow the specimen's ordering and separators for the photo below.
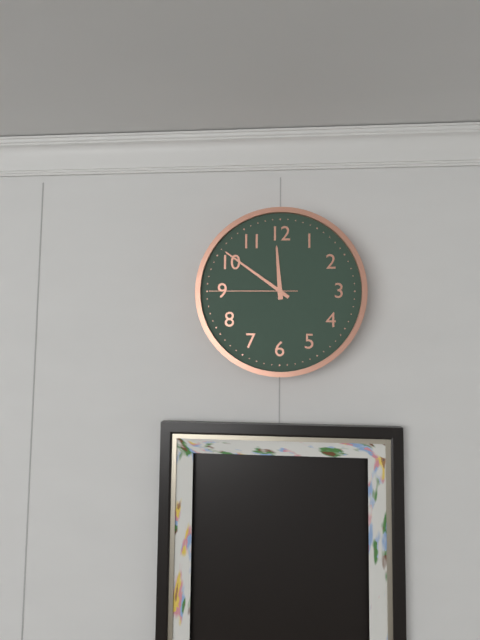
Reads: 11 h 51 min 45 s
